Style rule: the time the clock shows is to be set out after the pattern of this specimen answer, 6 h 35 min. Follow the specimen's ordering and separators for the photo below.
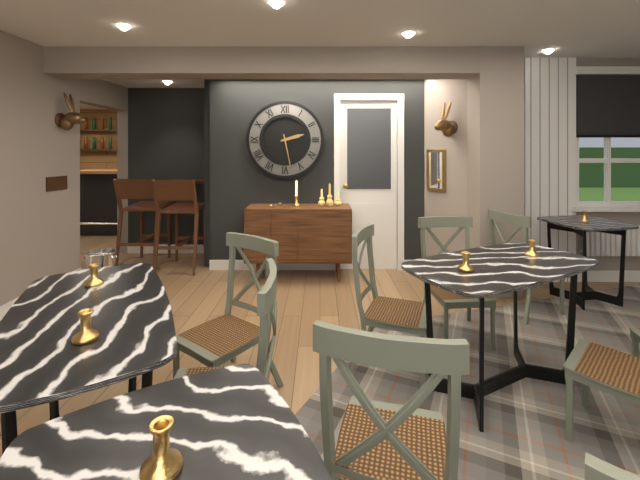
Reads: 2 h 28 min
